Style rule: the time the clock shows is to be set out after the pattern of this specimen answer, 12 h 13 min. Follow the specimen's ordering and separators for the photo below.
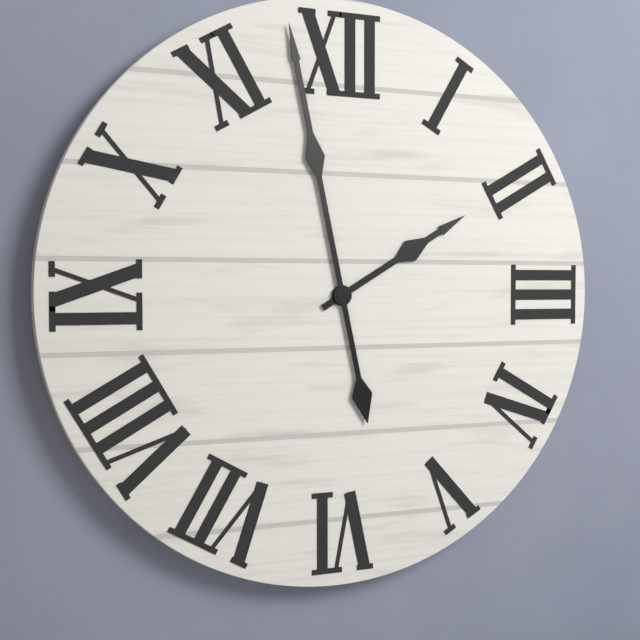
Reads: 1 h 58 min
